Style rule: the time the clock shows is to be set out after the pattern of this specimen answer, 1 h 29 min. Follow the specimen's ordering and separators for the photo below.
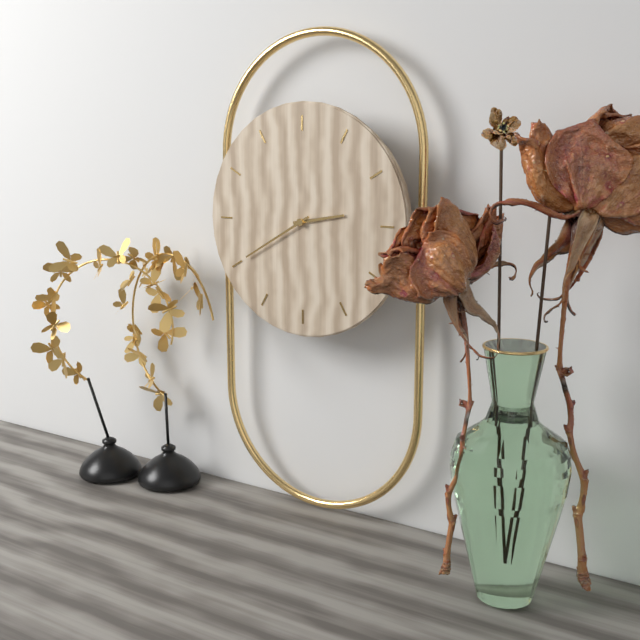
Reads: 2 h 40 min
